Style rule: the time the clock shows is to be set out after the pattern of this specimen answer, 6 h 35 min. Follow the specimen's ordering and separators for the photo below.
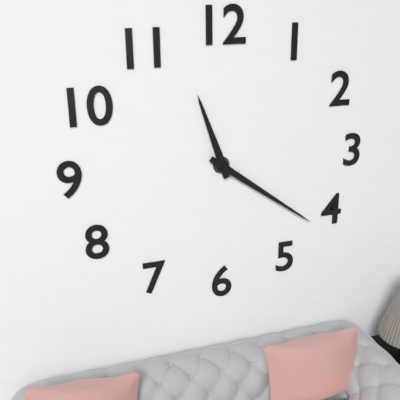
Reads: 11 h 21 min
